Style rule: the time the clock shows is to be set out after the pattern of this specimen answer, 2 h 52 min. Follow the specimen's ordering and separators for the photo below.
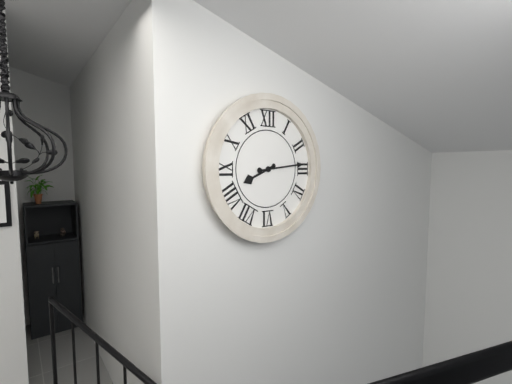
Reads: 8 h 14 min
